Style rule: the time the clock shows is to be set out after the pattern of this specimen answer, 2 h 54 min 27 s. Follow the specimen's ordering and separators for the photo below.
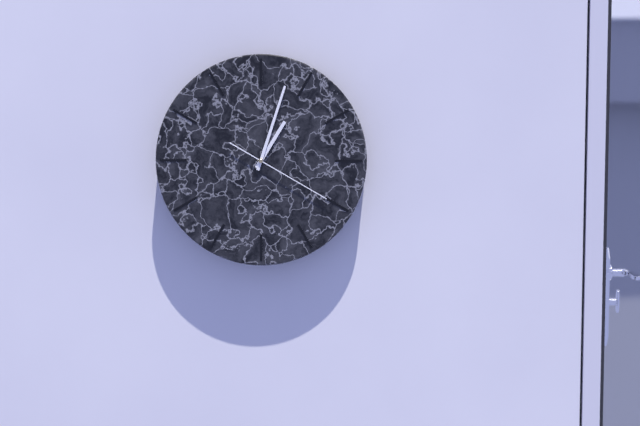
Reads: 1 h 03 min 20 s
